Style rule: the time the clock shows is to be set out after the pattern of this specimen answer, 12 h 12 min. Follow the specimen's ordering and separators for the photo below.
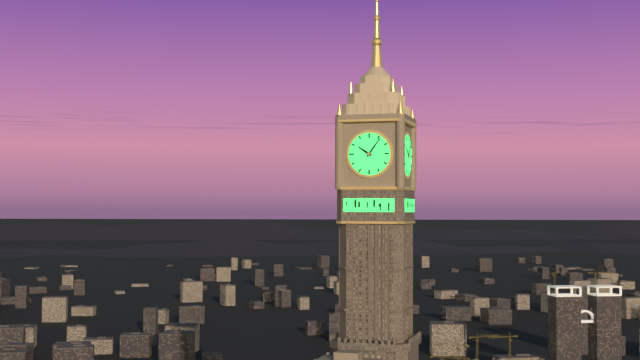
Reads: 10 h 06 min
